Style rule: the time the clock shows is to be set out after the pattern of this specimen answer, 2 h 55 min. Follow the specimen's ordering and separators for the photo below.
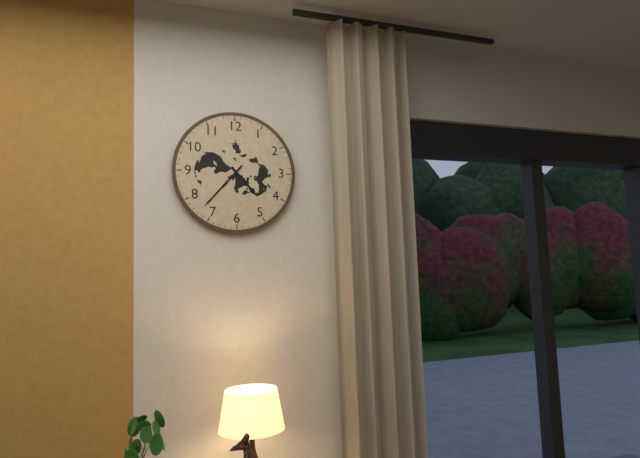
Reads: 4 h 37 min
